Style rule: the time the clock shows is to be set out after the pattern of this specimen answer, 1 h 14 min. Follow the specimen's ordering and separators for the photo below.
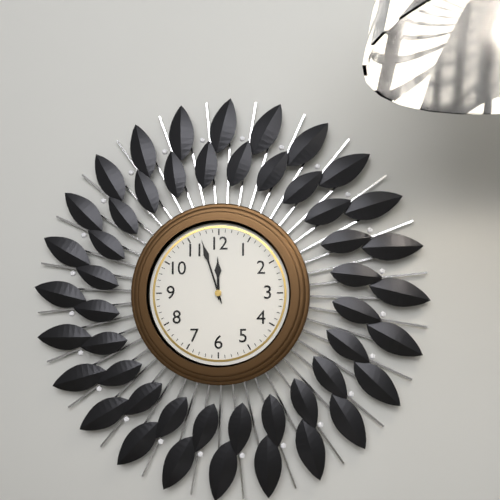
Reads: 11 h 57 min
